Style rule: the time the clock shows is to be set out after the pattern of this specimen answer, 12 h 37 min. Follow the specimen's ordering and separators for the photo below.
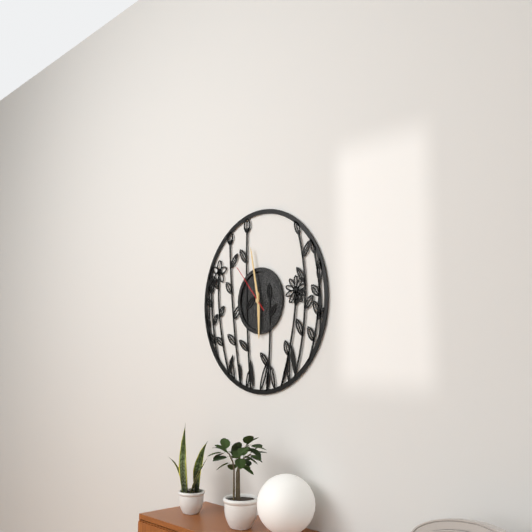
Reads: 5 h 58 min
